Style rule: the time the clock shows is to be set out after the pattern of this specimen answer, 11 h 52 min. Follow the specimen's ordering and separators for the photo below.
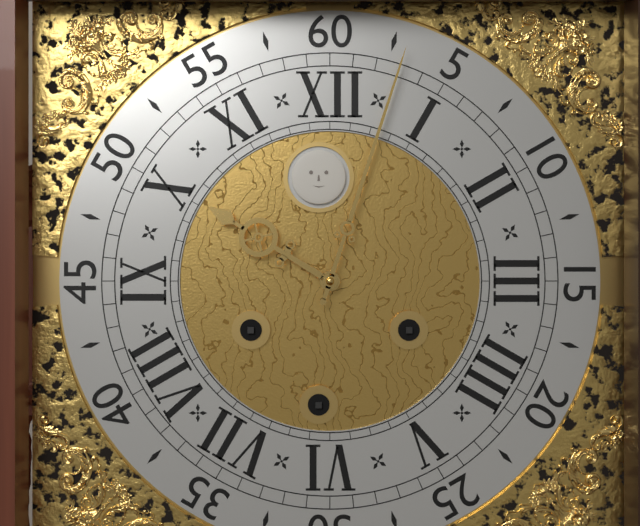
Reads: 10 h 03 min
